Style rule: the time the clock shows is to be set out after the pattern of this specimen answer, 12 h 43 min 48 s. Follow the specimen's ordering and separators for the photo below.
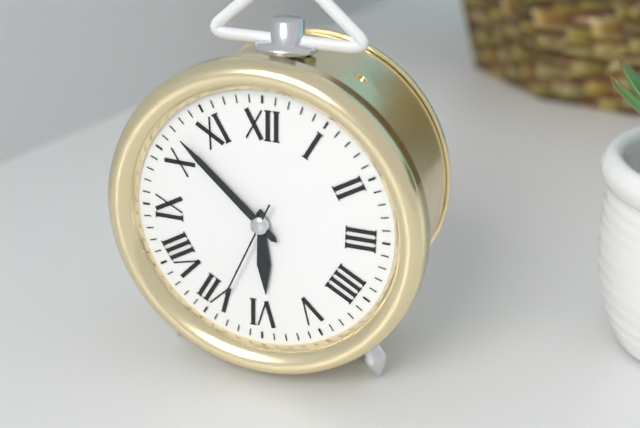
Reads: 5 h 52 min 34 s
